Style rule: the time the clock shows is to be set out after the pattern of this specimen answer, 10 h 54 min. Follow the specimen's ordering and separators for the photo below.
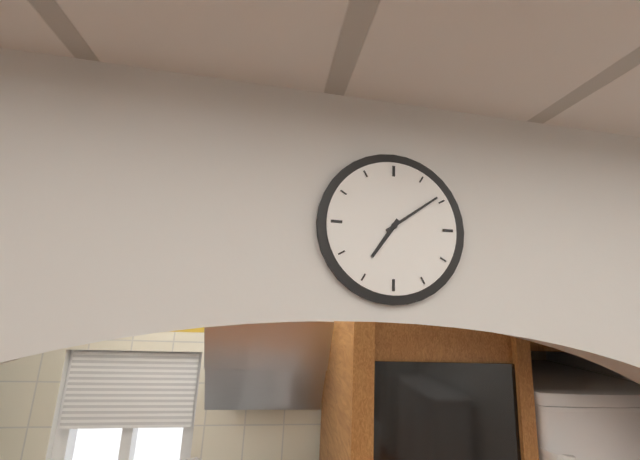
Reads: 7 h 09 min
